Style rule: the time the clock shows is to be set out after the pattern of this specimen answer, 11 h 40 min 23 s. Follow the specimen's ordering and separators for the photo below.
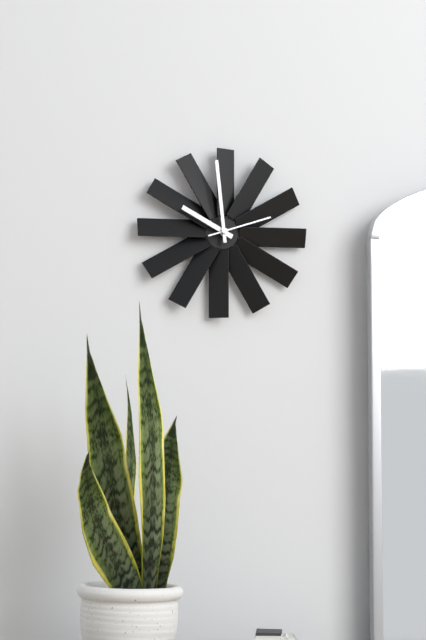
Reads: 9 h 59 min 12 s
